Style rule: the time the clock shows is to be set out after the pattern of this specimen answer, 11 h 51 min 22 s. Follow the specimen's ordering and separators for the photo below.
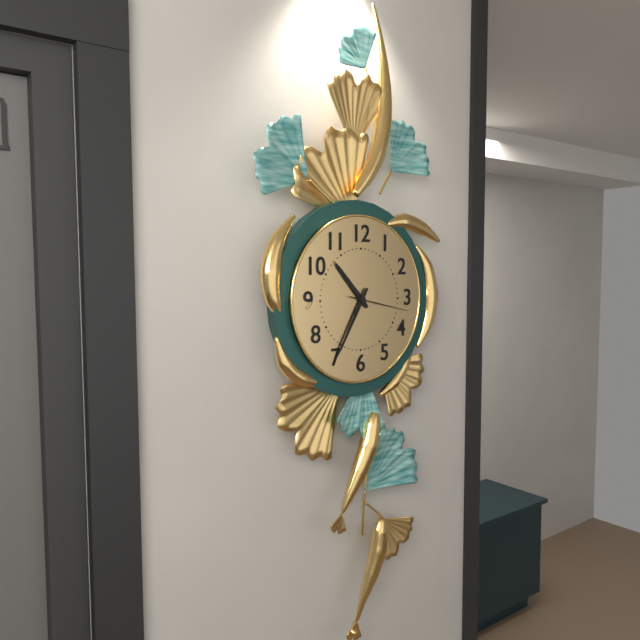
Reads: 10 h 35 min 17 s
